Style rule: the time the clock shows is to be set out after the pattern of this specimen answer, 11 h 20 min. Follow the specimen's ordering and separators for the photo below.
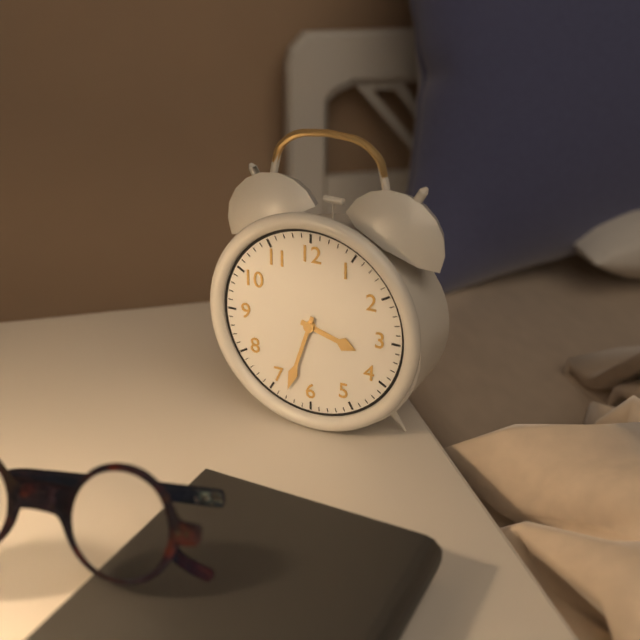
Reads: 3 h 33 min
